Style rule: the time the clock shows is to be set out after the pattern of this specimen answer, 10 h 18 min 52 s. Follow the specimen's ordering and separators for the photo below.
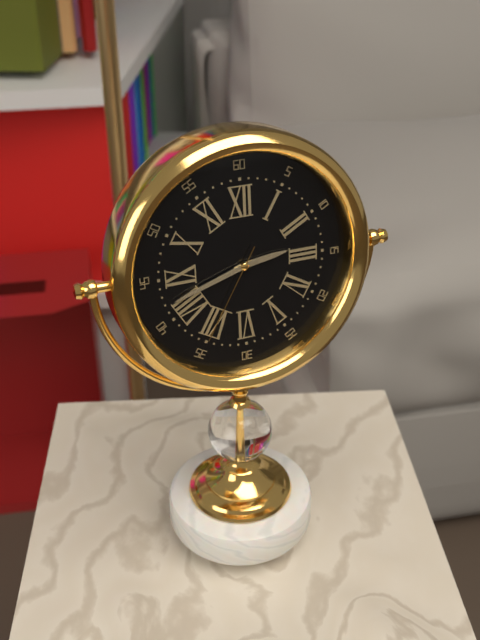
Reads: 2 h 42 min 35 s
